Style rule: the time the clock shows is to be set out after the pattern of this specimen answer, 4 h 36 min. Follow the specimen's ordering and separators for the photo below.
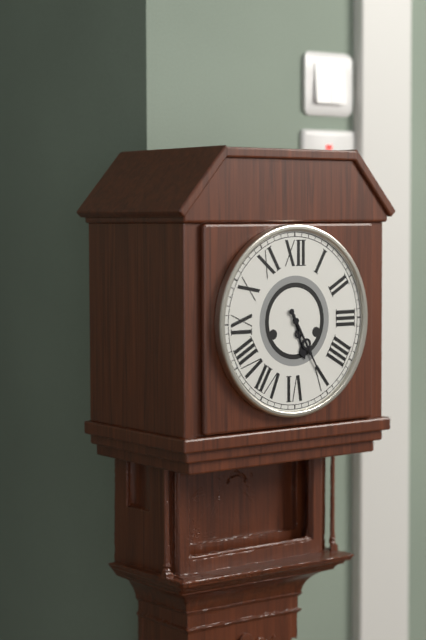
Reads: 5 h 25 min
